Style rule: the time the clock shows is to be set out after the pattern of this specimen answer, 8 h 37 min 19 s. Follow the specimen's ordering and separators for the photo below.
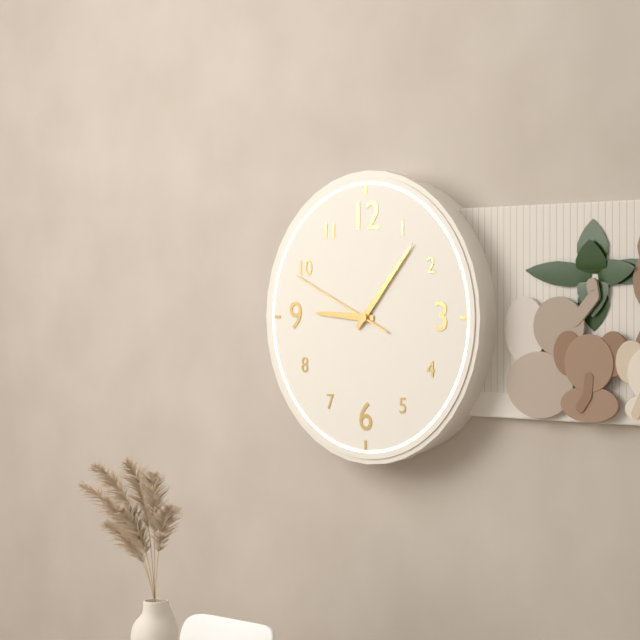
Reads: 9 h 07 min 49 s
